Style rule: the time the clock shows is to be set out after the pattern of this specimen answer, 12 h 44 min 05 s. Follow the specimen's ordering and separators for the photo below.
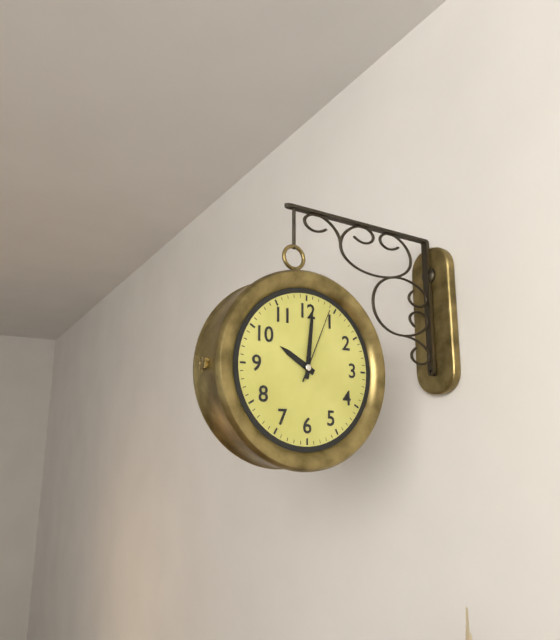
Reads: 10 h 01 min 04 s
